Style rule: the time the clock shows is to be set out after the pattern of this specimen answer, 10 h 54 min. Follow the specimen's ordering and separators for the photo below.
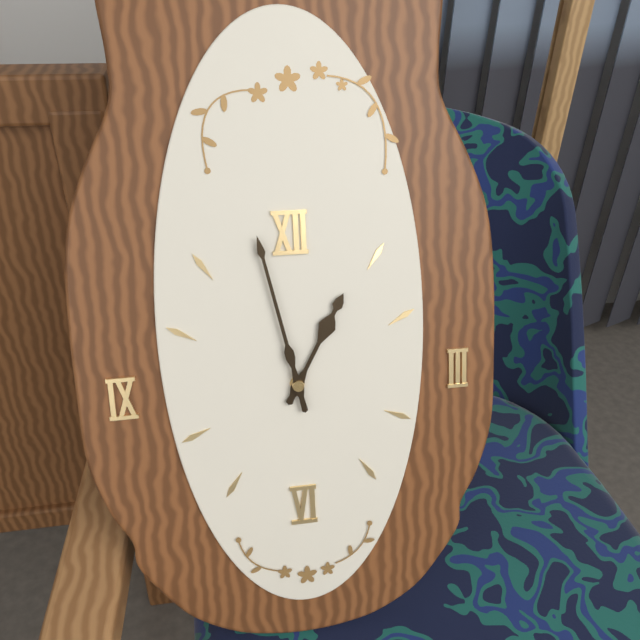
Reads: 12 h 58 min
